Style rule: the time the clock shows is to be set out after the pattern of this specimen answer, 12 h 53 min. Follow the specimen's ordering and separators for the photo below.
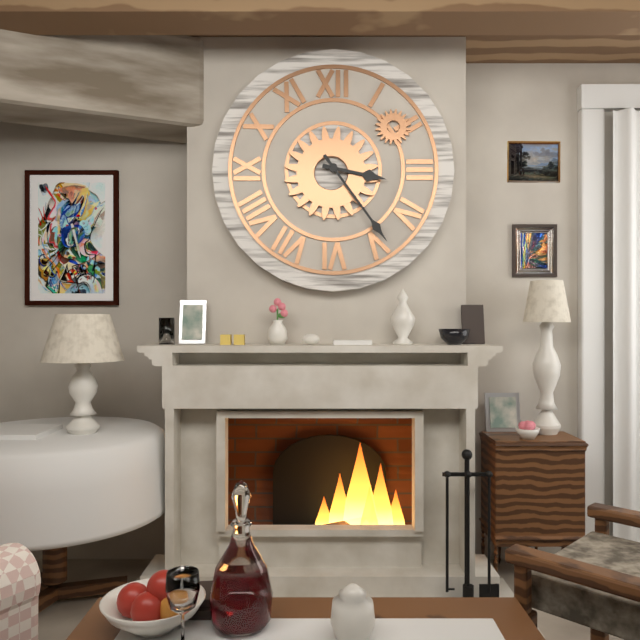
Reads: 3 h 24 min
